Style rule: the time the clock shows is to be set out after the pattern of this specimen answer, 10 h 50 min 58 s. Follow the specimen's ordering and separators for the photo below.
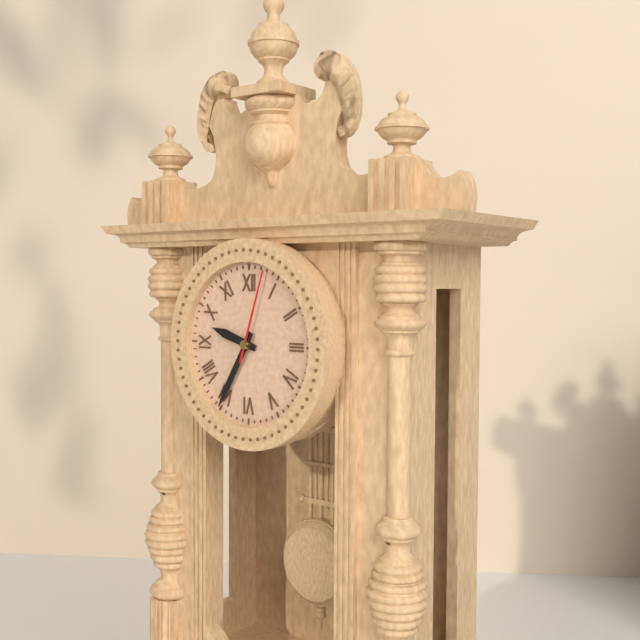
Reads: 9 h 35 min 03 s
